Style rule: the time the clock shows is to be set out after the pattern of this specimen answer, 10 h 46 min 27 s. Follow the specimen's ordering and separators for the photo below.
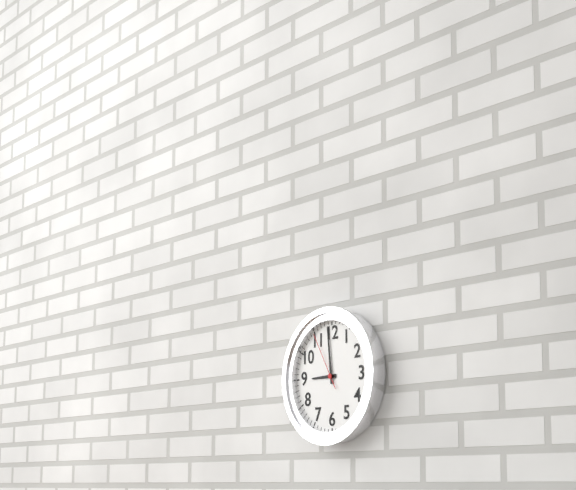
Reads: 8 h 59 min 55 s
